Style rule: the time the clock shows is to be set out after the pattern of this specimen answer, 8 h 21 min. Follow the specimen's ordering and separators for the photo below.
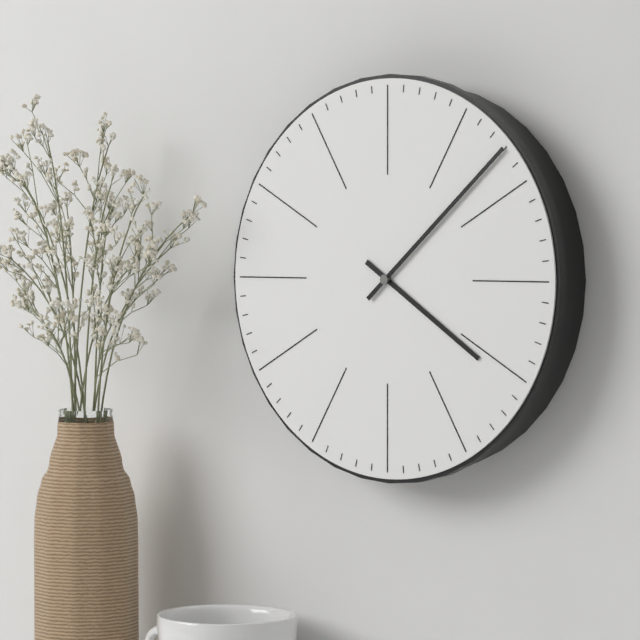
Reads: 4 h 08 min
